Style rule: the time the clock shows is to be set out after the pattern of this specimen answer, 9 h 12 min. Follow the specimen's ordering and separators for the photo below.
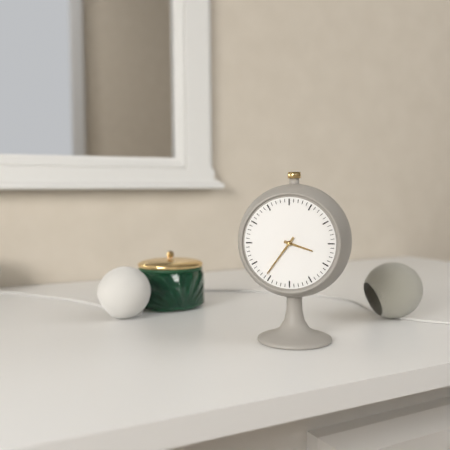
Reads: 3 h 36 min
